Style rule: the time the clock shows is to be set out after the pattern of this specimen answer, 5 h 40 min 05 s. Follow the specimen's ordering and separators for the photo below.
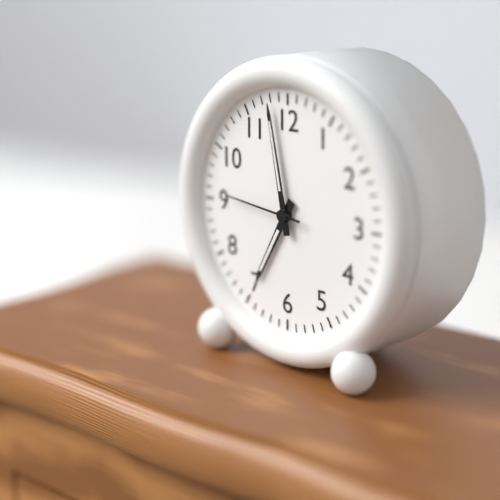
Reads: 6 h 58 min 46 s
